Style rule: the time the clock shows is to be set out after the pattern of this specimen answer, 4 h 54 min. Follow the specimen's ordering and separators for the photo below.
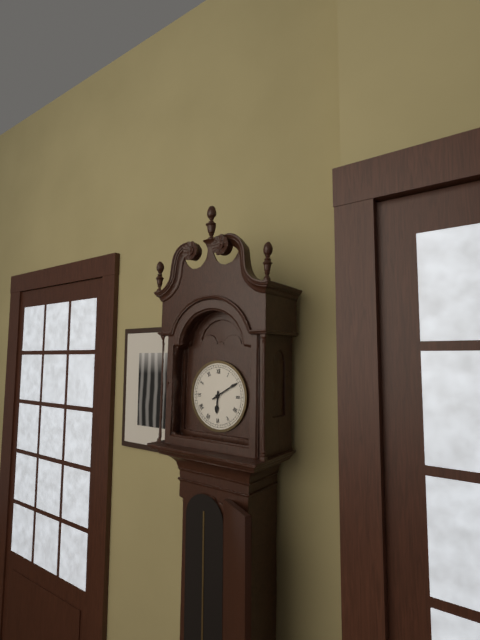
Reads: 6 h 10 min
